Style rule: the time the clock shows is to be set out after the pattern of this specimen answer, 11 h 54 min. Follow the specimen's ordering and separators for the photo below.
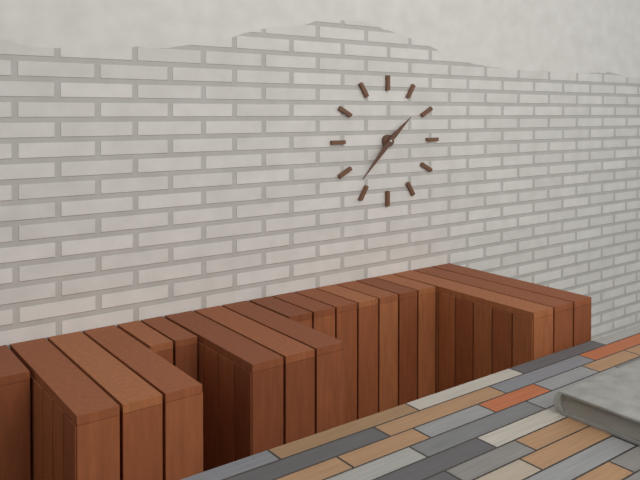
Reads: 1 h 37 min
